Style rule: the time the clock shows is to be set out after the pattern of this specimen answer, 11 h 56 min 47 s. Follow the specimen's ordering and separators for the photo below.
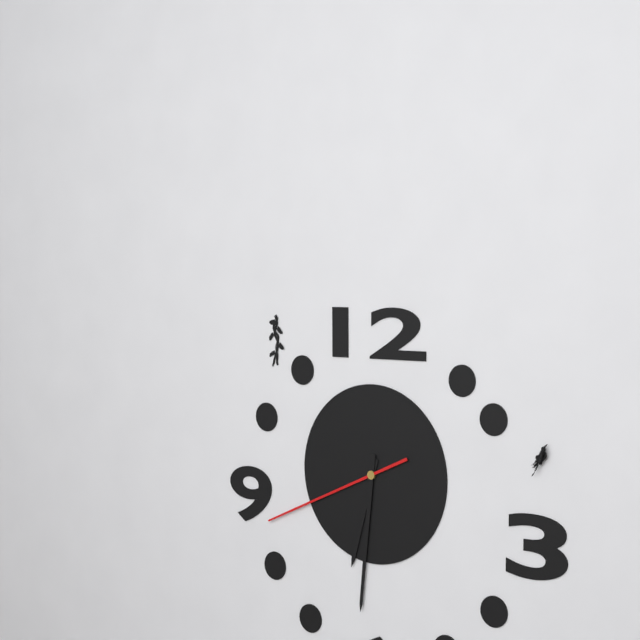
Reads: 6 h 31 min 41 s
